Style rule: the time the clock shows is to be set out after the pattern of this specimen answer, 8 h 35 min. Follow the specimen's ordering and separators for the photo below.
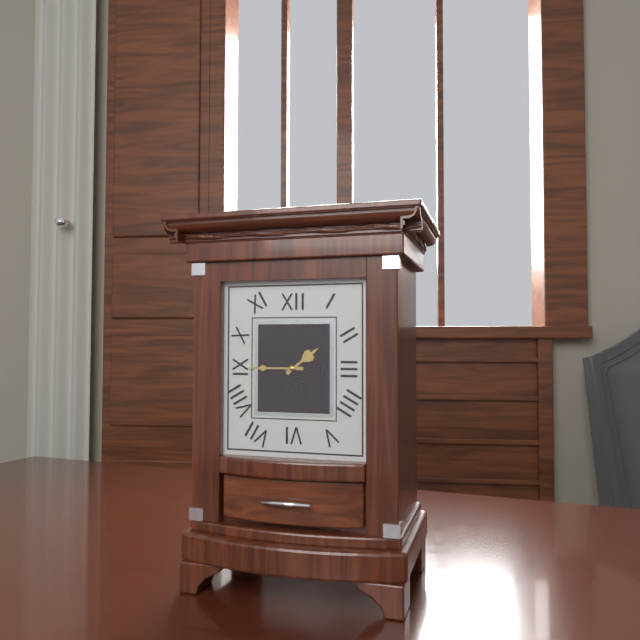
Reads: 1 h 45 min
